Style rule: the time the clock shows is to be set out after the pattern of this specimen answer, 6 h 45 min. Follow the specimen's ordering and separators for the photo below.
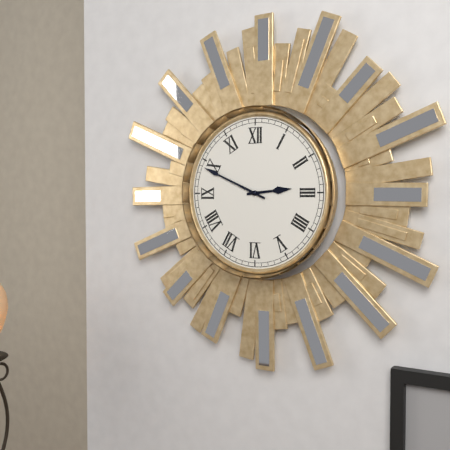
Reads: 2 h 49 min
